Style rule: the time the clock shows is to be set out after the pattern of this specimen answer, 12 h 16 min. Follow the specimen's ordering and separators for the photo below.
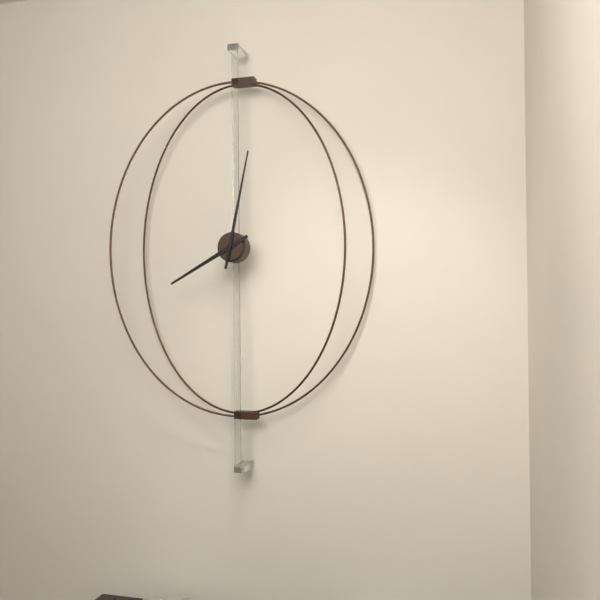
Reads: 8 h 02 min
